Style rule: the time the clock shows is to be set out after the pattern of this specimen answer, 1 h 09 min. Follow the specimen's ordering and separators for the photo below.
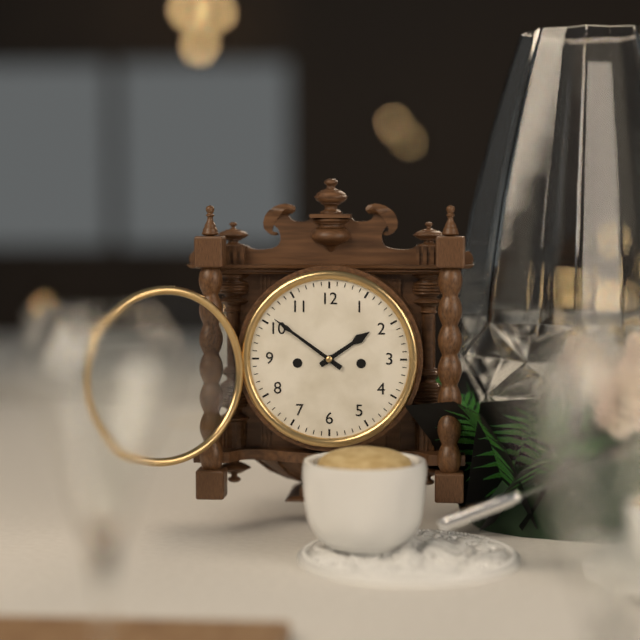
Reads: 1 h 51 min
